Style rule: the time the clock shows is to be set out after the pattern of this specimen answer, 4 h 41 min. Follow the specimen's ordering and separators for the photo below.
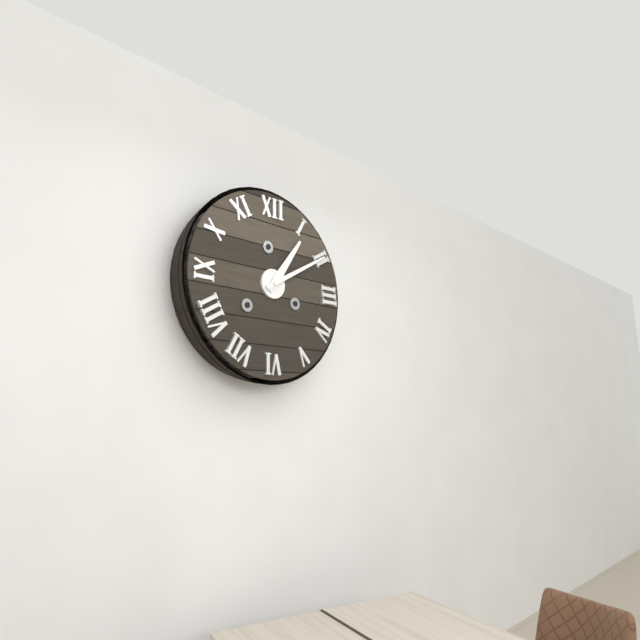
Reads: 1 h 10 min
